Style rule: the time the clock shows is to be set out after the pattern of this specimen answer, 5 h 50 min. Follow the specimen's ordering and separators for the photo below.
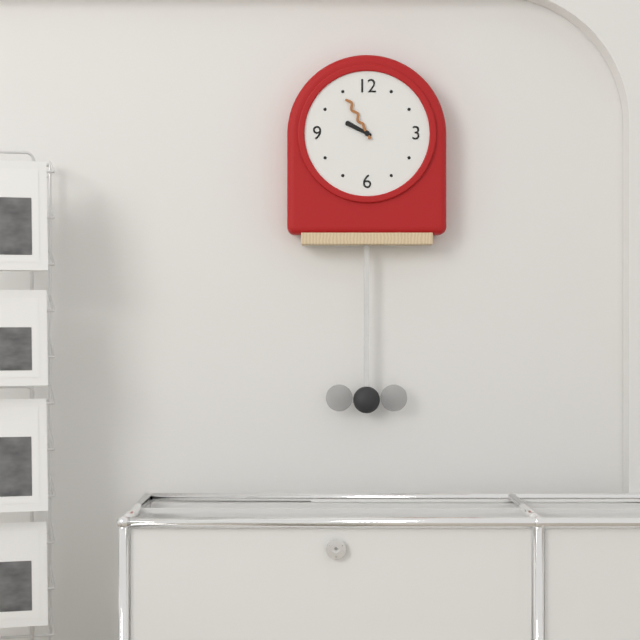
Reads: 9 h 55 min
